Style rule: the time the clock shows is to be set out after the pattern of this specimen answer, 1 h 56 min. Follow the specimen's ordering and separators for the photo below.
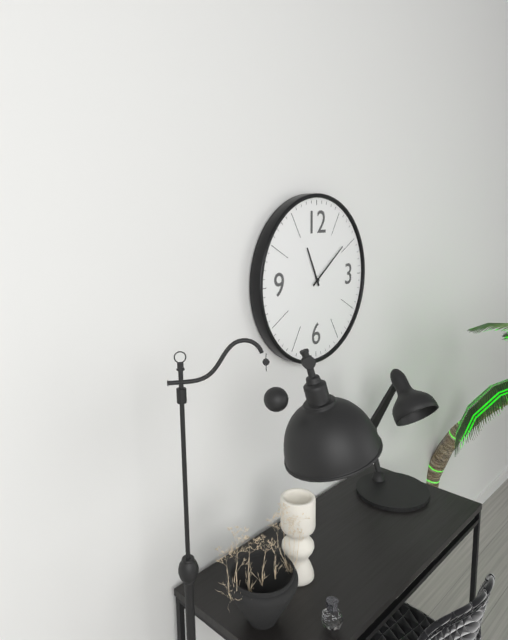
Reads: 11 h 09 min
